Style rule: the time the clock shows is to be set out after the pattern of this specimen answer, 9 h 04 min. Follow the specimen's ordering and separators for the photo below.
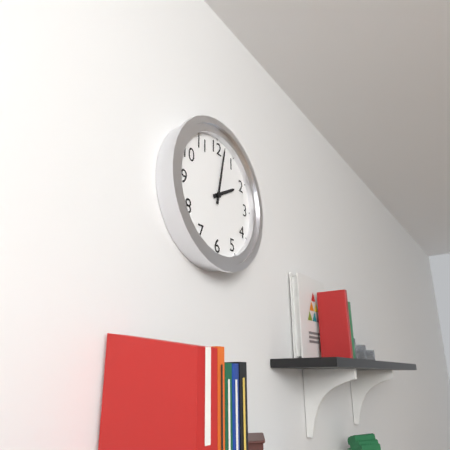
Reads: 2 h 02 min
